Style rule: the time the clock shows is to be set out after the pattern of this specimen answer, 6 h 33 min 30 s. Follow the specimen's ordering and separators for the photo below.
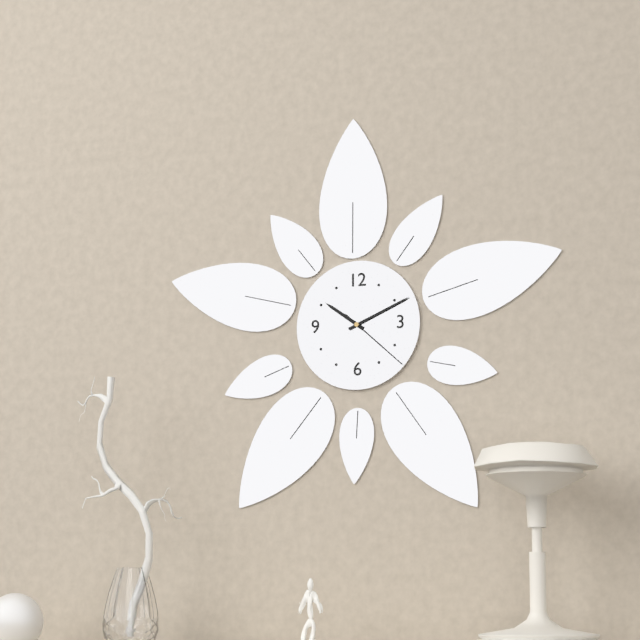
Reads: 10 h 11 min 22 s
